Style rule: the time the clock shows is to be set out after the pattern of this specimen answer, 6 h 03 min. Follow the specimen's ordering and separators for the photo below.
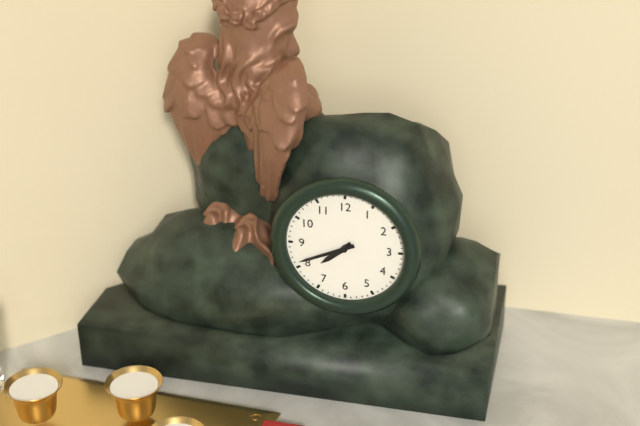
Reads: 7 h 41 min
